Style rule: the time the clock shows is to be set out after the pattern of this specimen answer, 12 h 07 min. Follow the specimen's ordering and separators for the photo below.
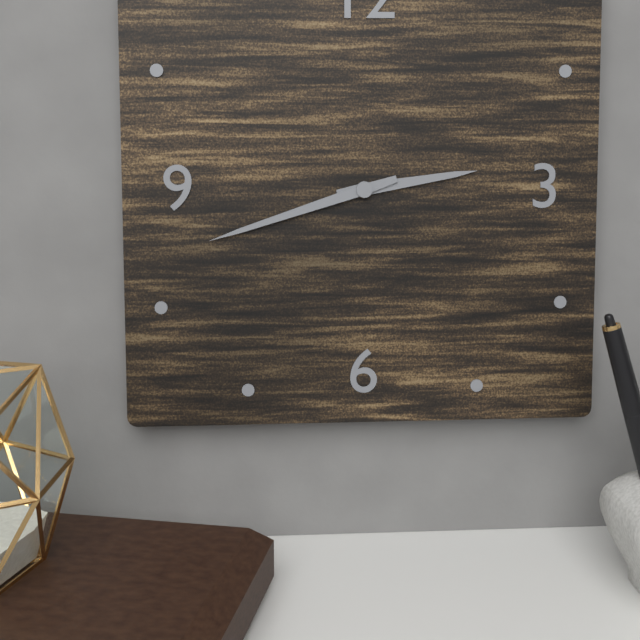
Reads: 2 h 42 min
